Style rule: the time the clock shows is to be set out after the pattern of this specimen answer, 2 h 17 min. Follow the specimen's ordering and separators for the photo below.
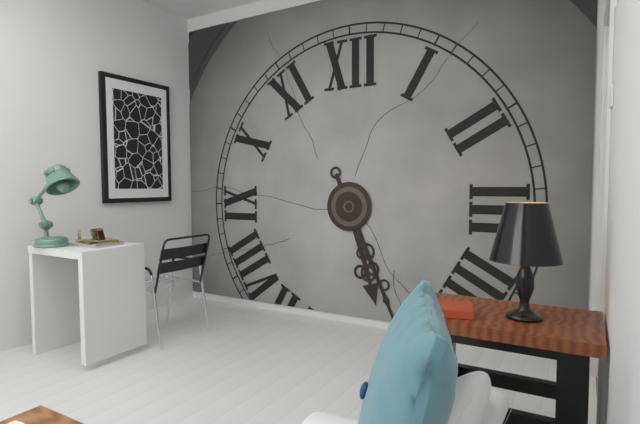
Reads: 5 h 26 min
